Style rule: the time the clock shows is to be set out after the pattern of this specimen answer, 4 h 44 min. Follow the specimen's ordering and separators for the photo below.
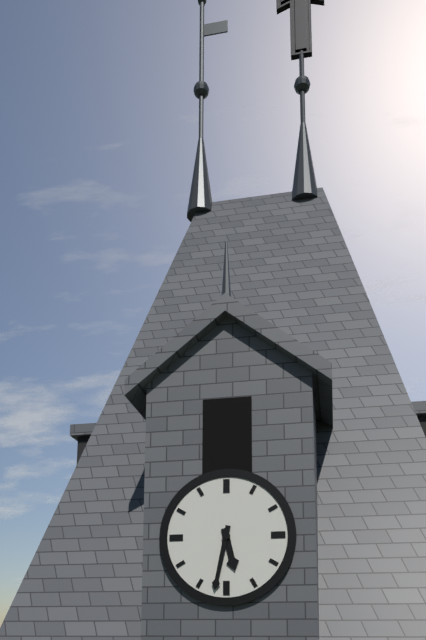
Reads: 5 h 32 min
